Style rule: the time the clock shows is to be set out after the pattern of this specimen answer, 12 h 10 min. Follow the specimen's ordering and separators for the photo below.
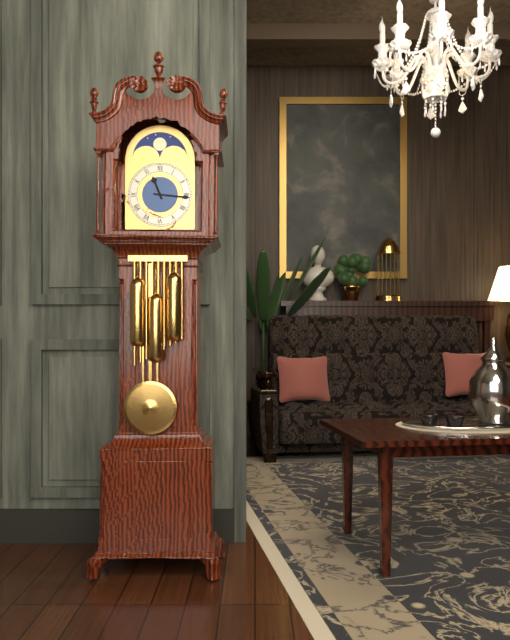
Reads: 11 h 16 min
